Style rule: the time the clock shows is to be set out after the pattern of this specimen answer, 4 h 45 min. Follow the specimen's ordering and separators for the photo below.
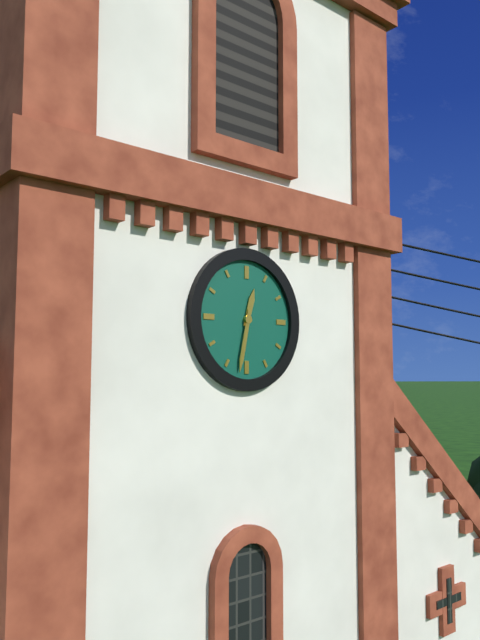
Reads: 12 h 32 min
